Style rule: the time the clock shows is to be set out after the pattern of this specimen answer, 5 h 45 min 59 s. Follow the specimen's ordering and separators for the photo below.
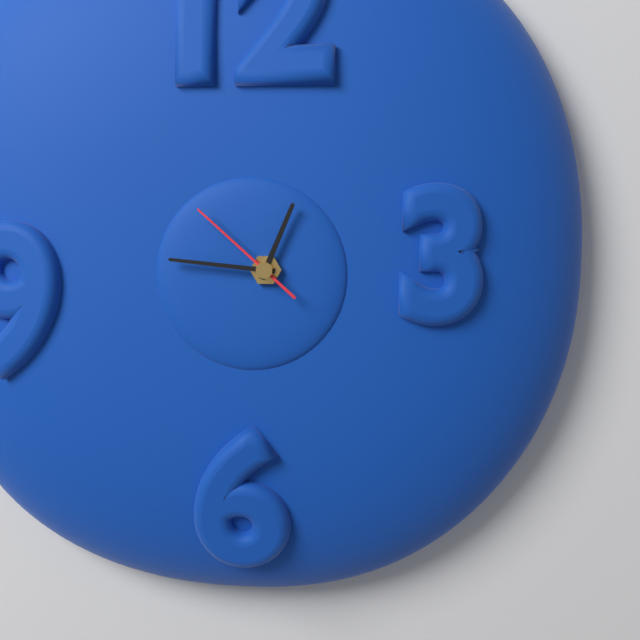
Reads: 12 h 46 min 52 s
